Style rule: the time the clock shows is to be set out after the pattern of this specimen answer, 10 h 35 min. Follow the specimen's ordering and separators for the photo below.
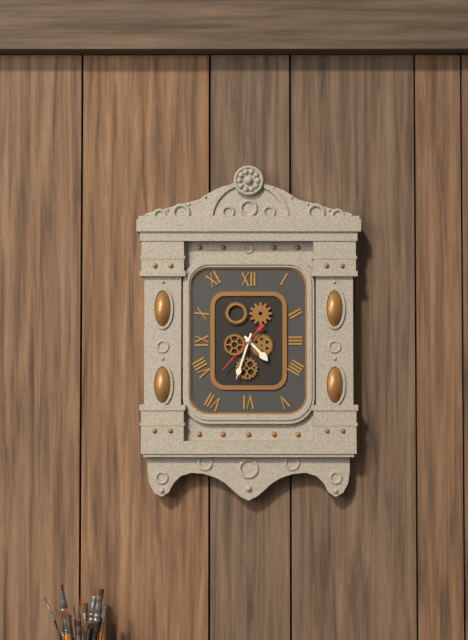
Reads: 4 h 33 min
